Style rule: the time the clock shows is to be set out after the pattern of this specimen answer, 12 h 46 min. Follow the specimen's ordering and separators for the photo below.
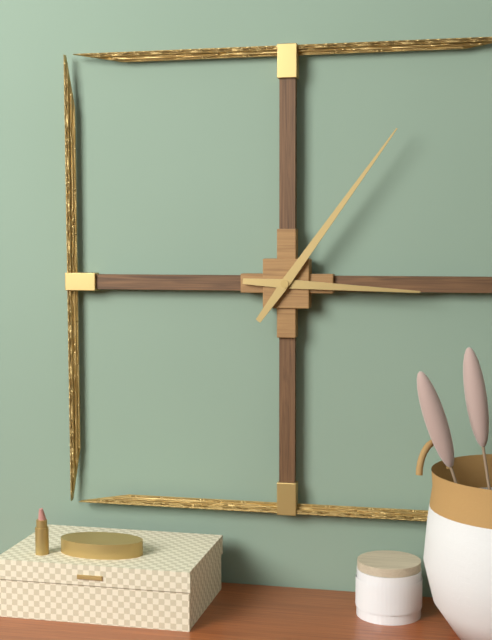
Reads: 3 h 06 min
